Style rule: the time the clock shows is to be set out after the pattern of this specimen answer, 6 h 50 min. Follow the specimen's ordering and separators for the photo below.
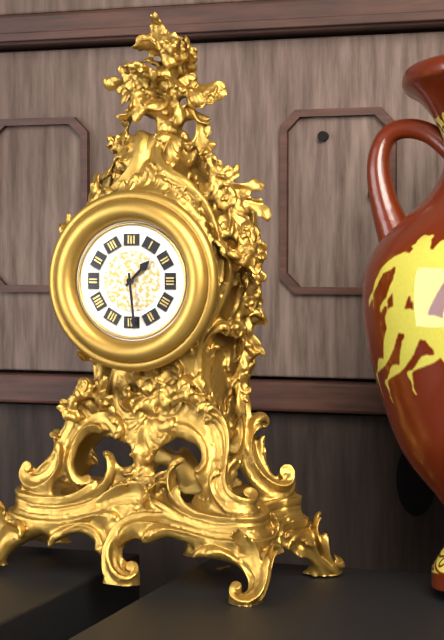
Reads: 1 h 29 min
